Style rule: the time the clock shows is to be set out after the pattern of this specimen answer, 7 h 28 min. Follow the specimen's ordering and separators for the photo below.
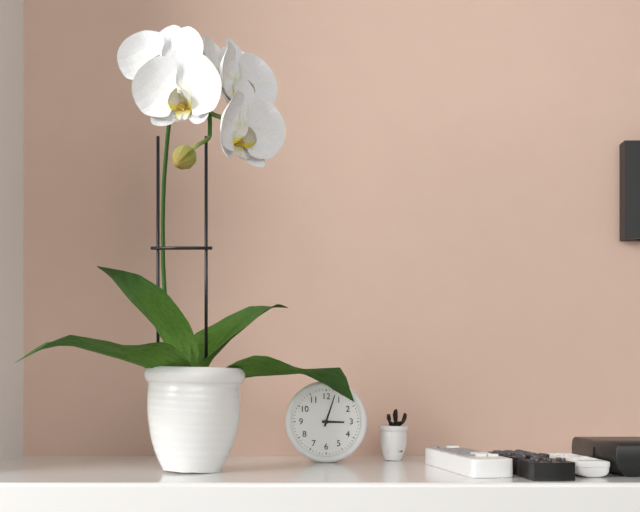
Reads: 3 h 03 min
